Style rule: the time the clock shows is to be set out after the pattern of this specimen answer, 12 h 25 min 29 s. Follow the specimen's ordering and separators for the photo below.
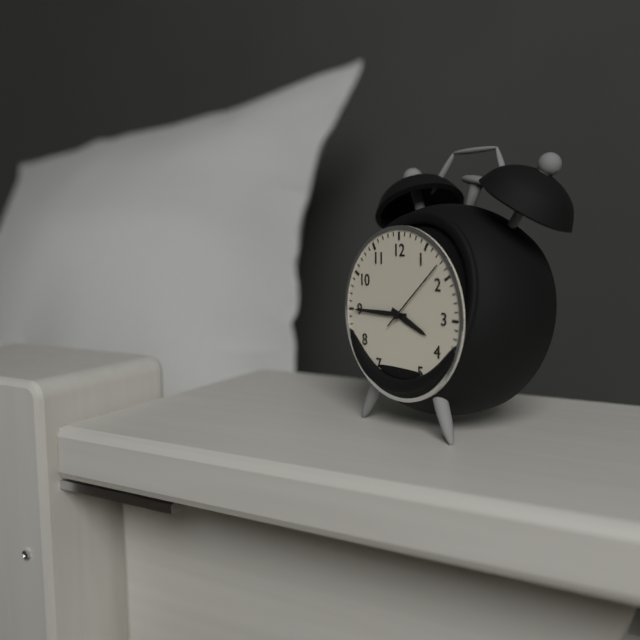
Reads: 3 h 45 min 08 s
